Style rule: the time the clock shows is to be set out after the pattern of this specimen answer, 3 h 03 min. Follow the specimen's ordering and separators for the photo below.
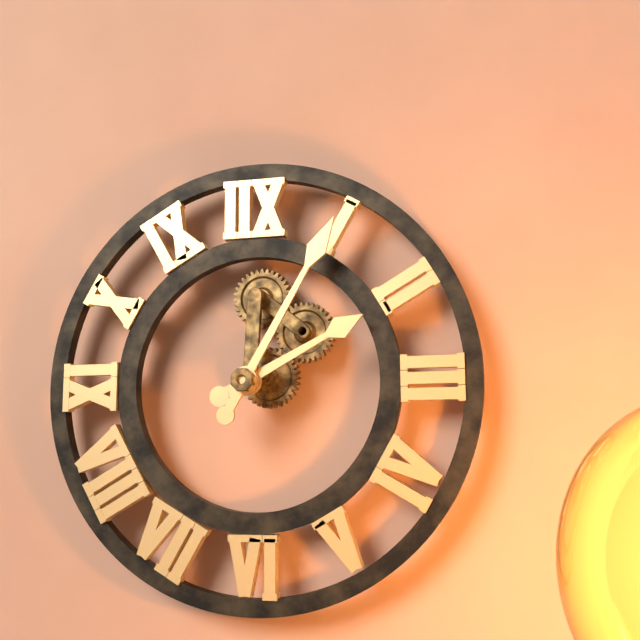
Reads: 2 h 05 min
